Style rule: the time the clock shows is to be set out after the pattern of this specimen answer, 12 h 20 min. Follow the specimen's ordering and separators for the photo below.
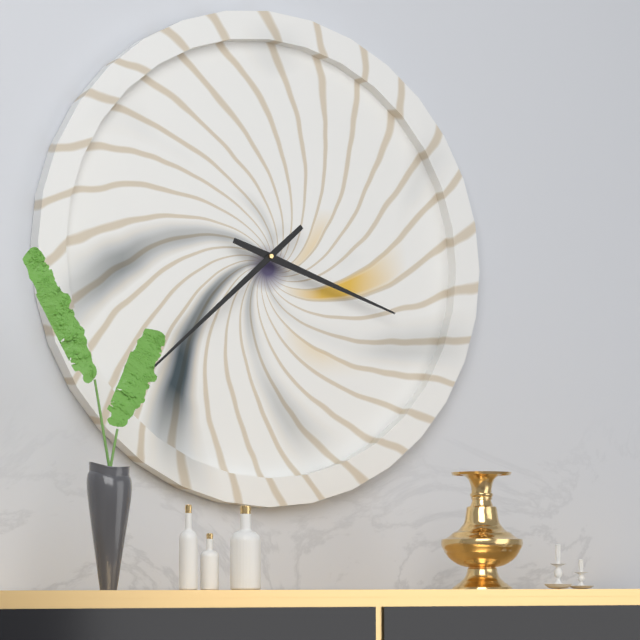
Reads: 3 h 38 min
